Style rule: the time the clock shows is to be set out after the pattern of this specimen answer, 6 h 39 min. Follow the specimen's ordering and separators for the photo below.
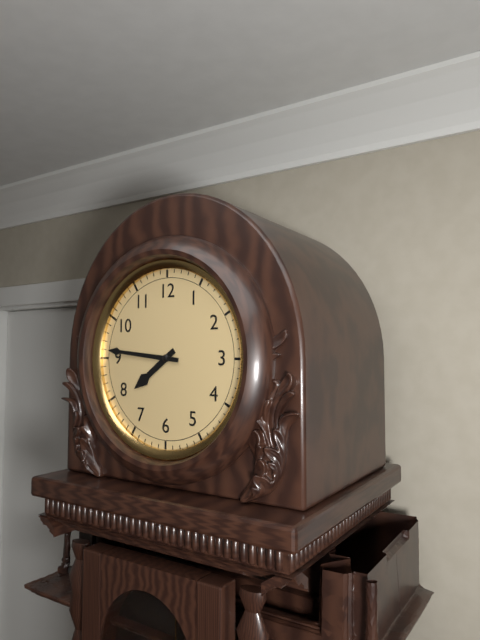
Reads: 7 h 46 min
